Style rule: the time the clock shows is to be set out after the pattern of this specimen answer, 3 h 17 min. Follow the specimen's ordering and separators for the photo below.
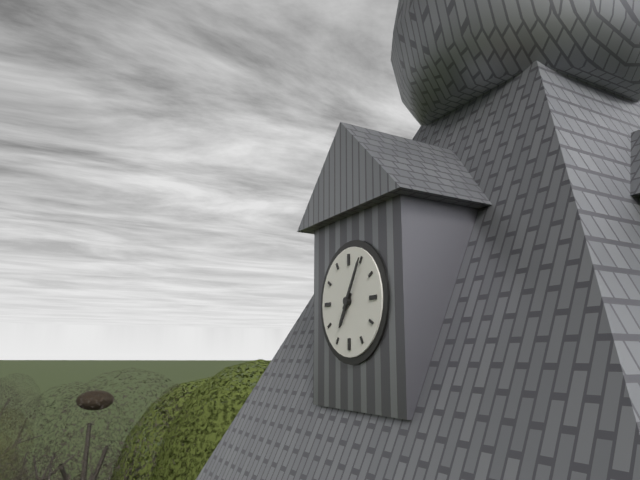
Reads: 7 h 05 min
